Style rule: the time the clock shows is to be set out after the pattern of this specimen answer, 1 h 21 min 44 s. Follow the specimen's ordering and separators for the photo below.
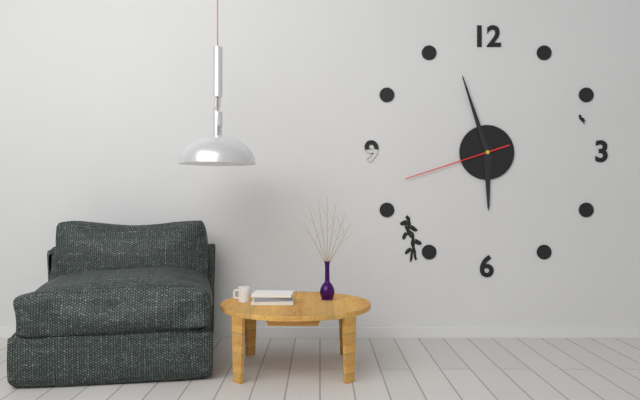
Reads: 5 h 57 min 42 s
